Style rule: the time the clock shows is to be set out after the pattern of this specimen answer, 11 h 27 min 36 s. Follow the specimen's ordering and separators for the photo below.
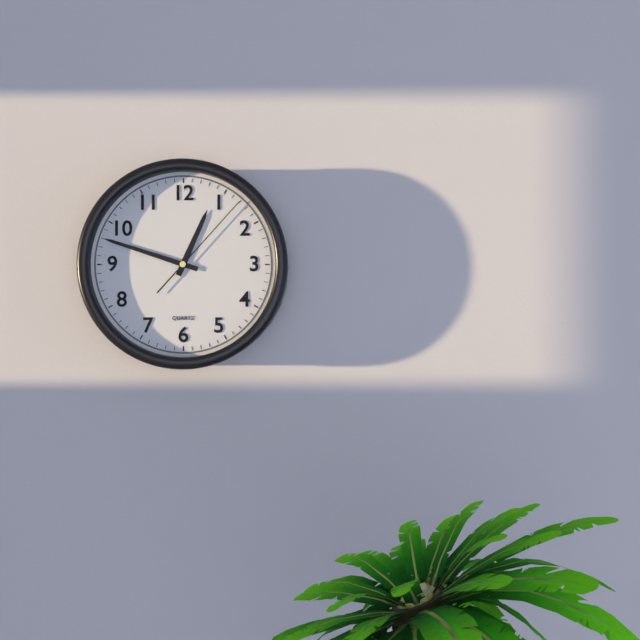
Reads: 12 h 48 min 07 s
